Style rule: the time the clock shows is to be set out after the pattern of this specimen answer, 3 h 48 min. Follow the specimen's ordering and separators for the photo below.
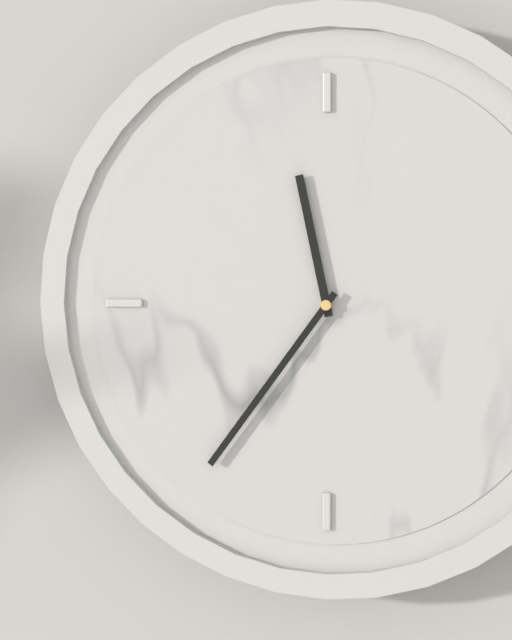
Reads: 11 h 36 min
